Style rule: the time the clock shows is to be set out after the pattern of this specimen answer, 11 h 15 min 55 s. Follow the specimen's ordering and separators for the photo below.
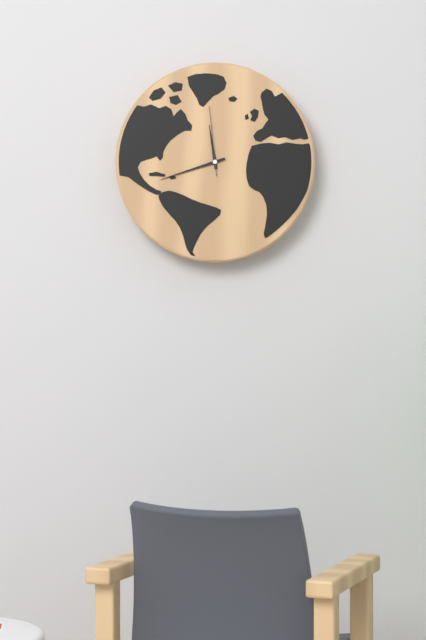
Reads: 11 h 42 min 59 s
